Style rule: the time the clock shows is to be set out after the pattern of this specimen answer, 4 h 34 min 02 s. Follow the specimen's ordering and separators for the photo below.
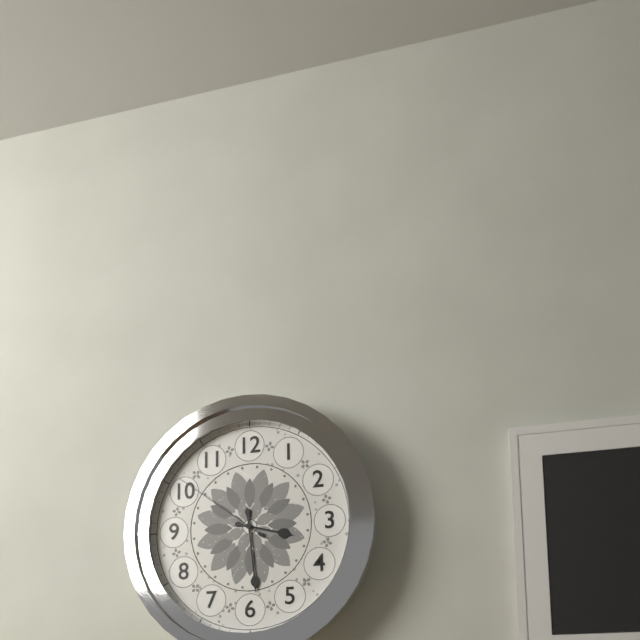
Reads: 3 h 29 min 51 s
